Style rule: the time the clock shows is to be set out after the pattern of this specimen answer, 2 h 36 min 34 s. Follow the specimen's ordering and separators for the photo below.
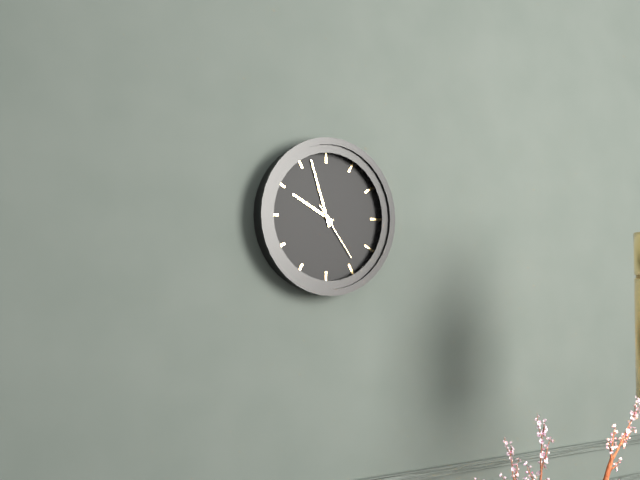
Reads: 9 h 57 min 24 s
